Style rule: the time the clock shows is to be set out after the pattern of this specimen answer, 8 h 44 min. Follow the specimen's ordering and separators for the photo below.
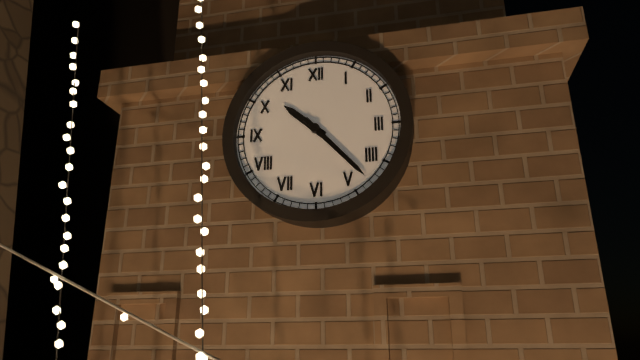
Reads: 10 h 23 min
